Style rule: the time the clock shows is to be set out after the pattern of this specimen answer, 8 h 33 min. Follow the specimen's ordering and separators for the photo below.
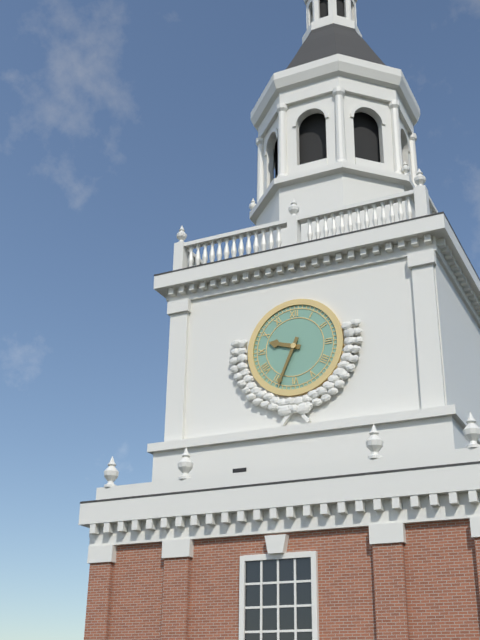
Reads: 9 h 34 min
